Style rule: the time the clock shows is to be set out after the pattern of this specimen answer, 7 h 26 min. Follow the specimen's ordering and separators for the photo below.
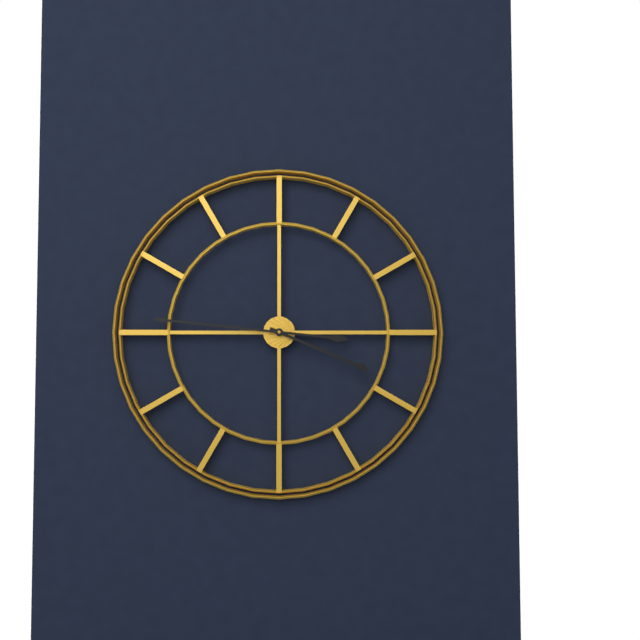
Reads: 3 h 46 min
